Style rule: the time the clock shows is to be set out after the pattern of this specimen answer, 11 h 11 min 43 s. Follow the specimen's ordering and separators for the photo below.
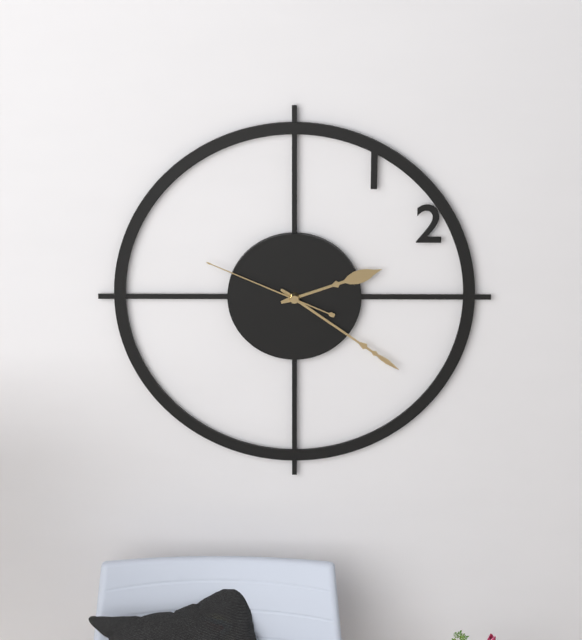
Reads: 2 h 21 min 49 s
